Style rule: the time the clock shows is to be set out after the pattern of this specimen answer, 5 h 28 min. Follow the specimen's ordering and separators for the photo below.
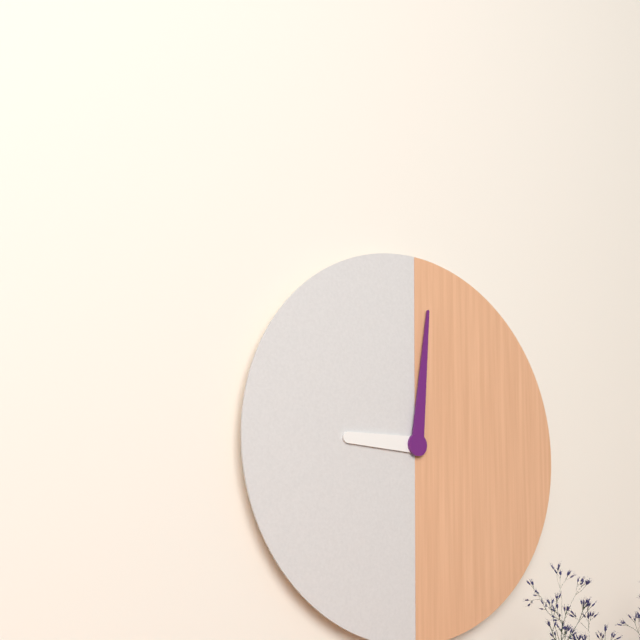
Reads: 9 h 01 min
